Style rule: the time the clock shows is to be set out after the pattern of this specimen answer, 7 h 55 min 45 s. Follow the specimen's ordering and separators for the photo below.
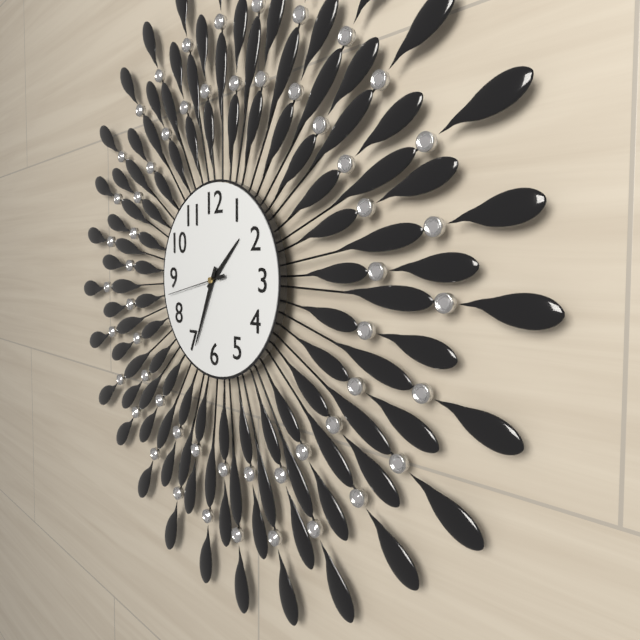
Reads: 1 h 34 min 43 s
